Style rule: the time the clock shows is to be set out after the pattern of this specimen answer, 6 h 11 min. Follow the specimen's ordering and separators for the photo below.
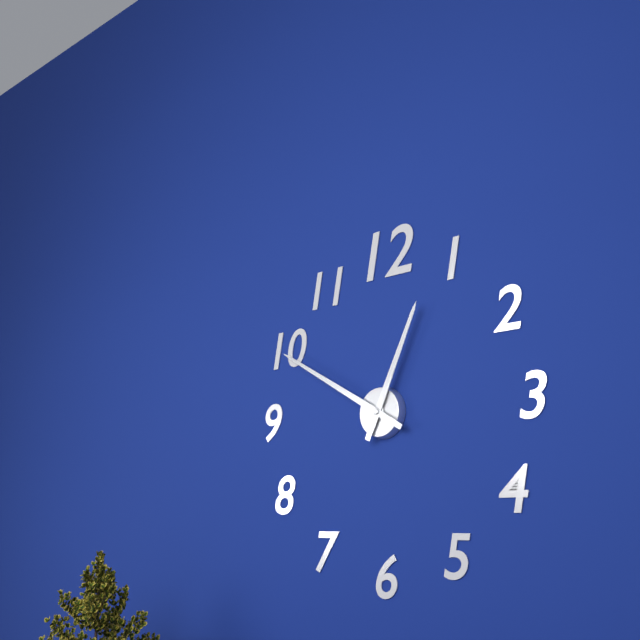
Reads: 12 h 50 min
